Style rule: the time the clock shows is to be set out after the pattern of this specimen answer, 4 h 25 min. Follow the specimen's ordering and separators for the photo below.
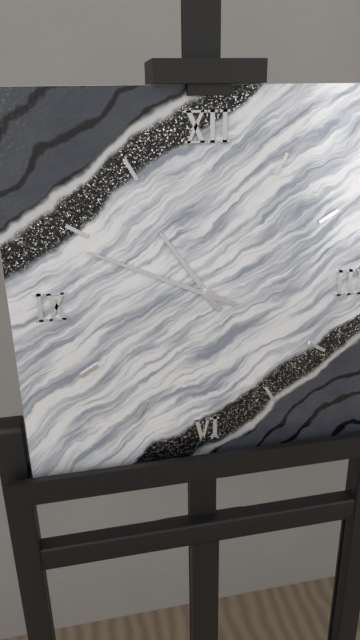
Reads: 10 h 49 min
